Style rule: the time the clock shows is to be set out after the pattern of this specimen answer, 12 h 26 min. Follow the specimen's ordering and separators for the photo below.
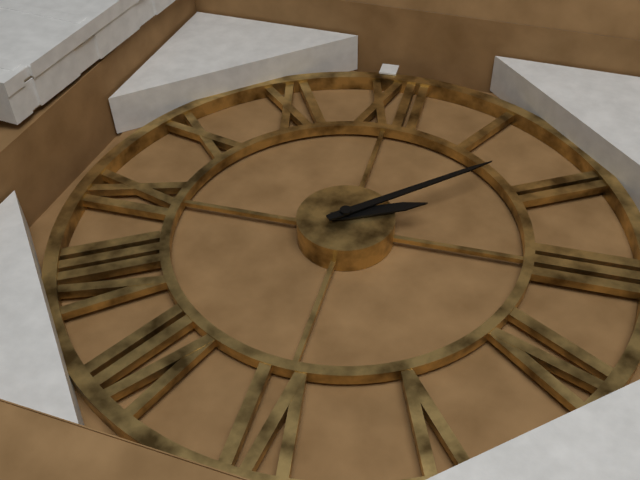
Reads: 2 h 08 min
